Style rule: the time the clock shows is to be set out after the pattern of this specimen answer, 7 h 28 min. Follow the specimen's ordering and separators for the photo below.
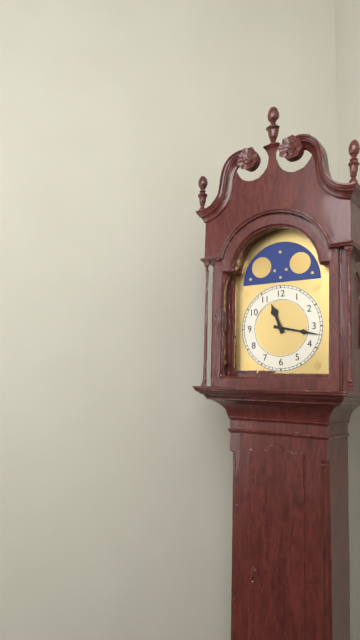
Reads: 11 h 17 min
